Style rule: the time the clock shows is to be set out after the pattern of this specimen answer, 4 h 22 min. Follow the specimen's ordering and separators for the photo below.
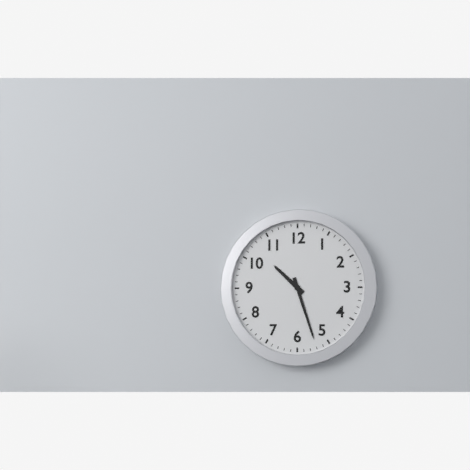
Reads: 10 h 27 min
